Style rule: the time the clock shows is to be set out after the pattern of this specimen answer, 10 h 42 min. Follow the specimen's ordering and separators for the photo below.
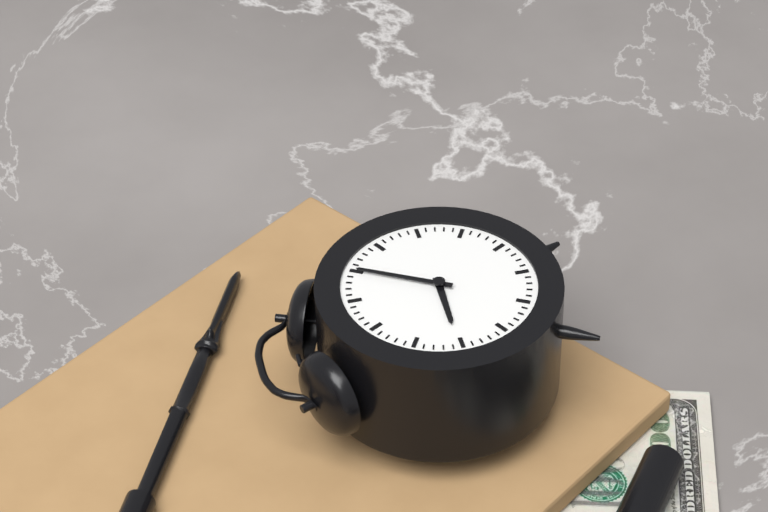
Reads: 9 h 05 min
